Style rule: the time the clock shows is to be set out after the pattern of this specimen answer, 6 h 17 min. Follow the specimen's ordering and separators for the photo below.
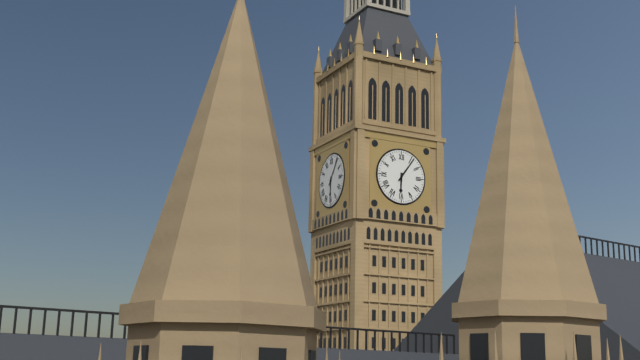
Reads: 6 h 06 min
